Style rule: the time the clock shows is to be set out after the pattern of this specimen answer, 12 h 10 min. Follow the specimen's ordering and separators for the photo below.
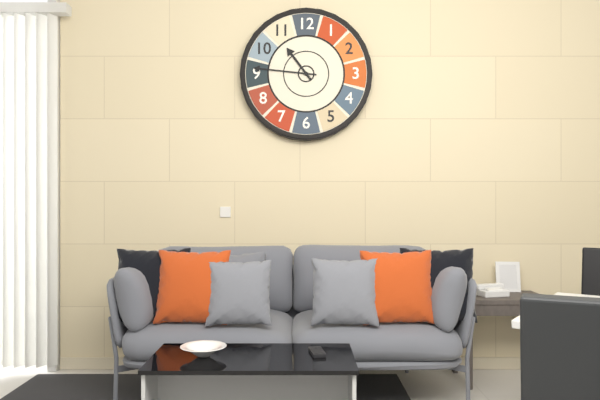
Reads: 10 h 46 min
